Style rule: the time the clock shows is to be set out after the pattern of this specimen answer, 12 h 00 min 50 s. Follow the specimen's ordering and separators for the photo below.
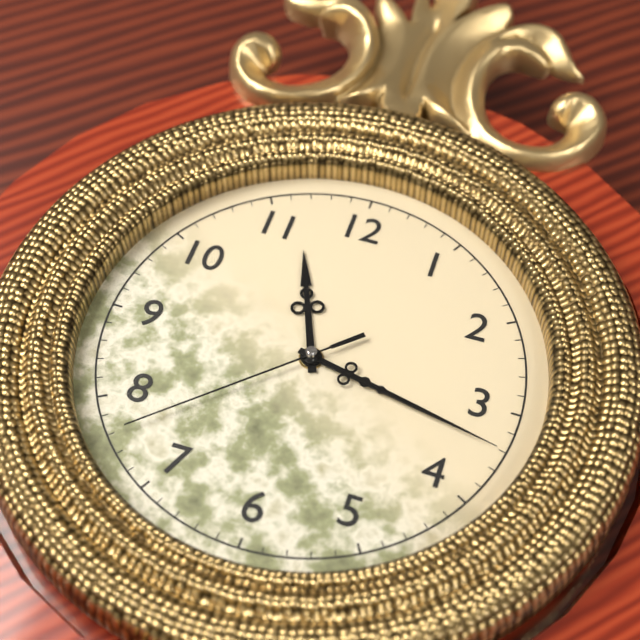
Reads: 11 h 17 min 38 s
